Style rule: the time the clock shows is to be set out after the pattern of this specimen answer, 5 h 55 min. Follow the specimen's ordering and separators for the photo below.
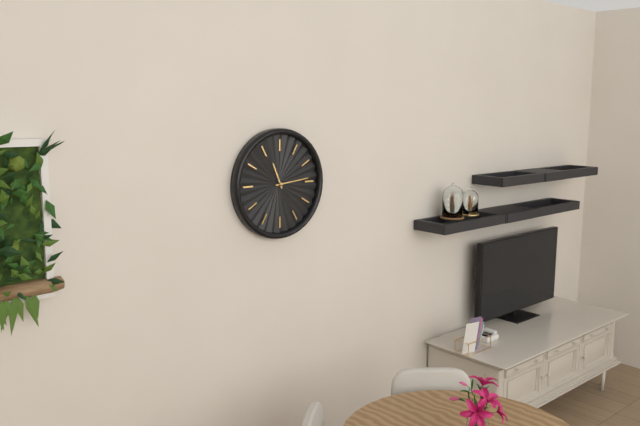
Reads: 11 h 14 min
